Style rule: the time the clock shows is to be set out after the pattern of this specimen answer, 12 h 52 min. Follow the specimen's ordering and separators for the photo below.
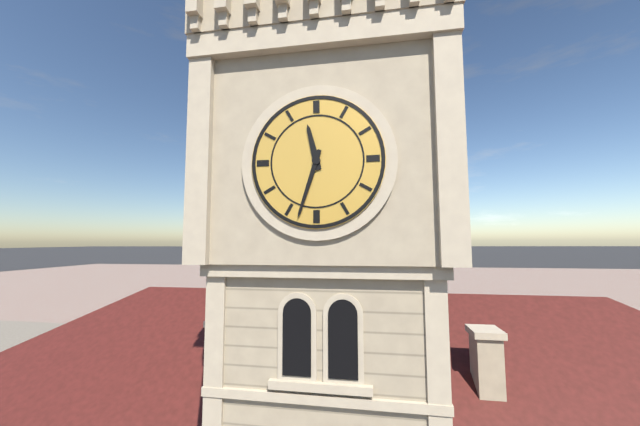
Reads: 11 h 33 min
